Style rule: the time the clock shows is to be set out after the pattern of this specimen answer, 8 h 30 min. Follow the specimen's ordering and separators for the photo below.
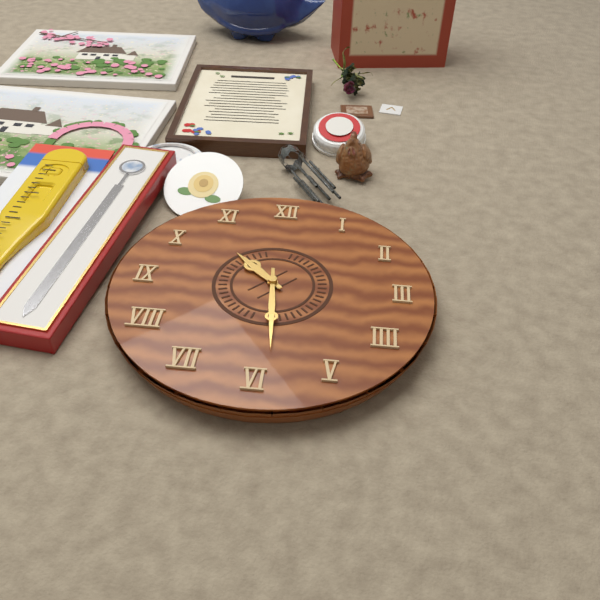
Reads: 10 h 29 min
